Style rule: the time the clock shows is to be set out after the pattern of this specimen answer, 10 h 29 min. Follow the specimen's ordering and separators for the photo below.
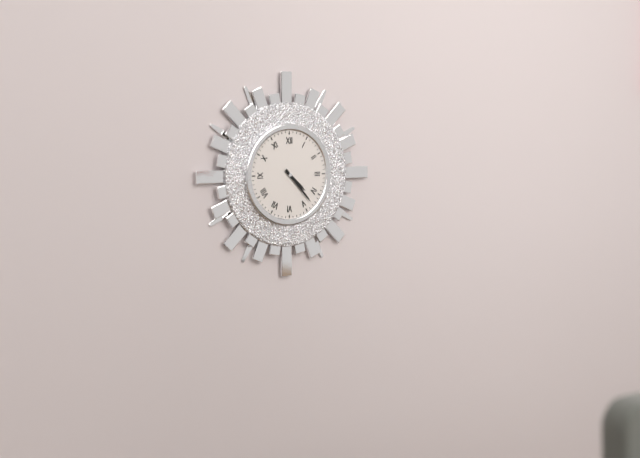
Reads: 4 h 23 min
